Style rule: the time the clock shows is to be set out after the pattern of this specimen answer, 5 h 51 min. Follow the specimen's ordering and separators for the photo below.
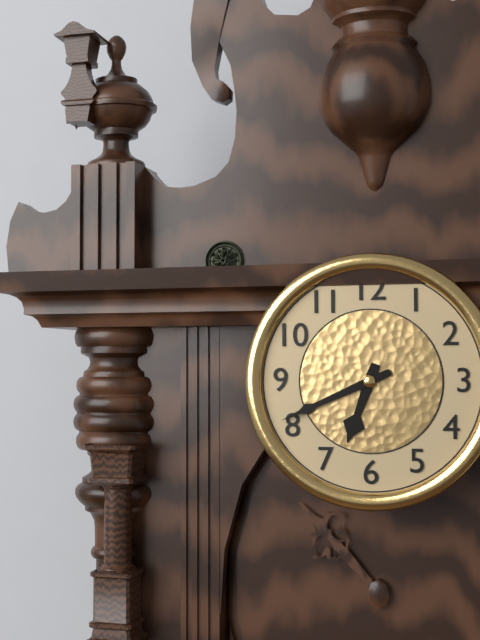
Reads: 6 h 41 min
